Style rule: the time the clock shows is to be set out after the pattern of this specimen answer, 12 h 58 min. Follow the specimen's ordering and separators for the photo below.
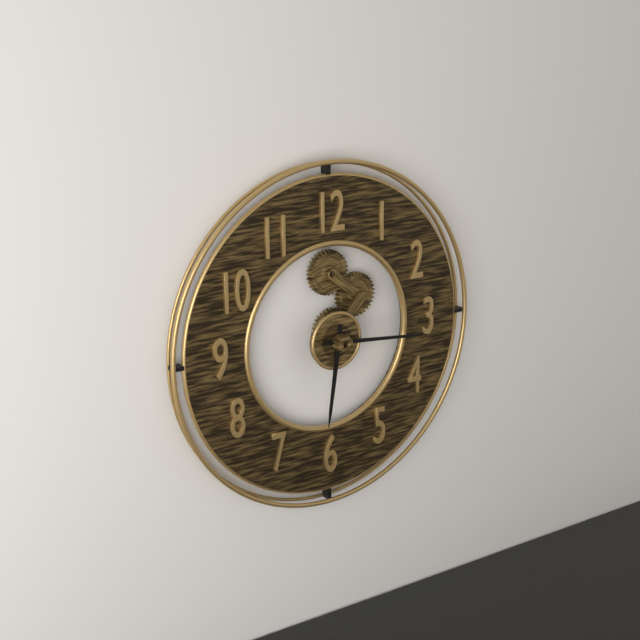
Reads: 6 h 16 min
